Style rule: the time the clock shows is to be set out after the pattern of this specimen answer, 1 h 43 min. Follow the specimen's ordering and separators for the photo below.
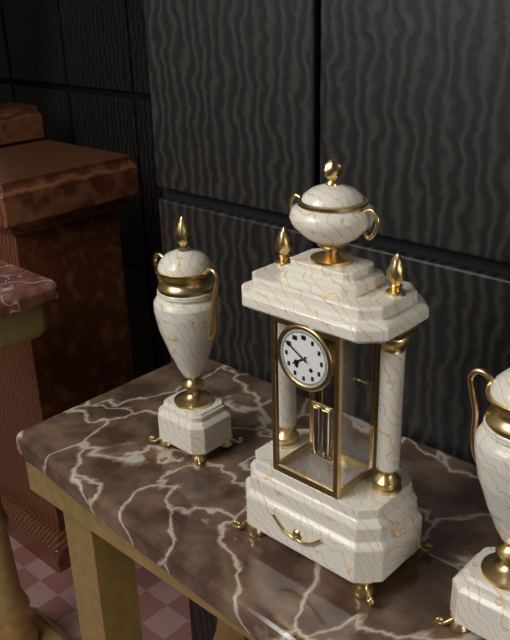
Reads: 7 h 50 min
